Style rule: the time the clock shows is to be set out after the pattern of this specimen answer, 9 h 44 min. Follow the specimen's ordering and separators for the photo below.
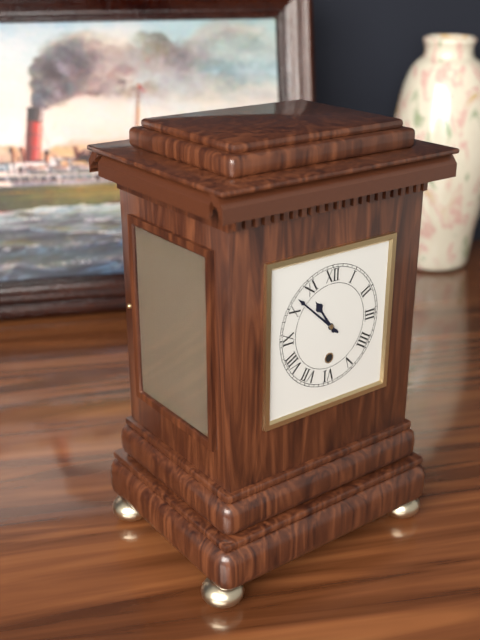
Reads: 10 h 52 min
